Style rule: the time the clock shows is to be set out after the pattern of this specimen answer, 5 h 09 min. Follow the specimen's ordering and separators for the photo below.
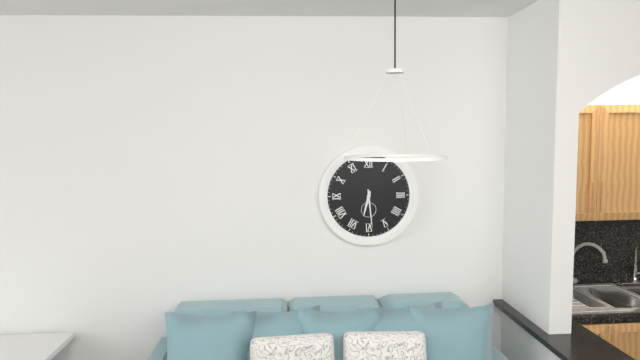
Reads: 6 h 29 min
